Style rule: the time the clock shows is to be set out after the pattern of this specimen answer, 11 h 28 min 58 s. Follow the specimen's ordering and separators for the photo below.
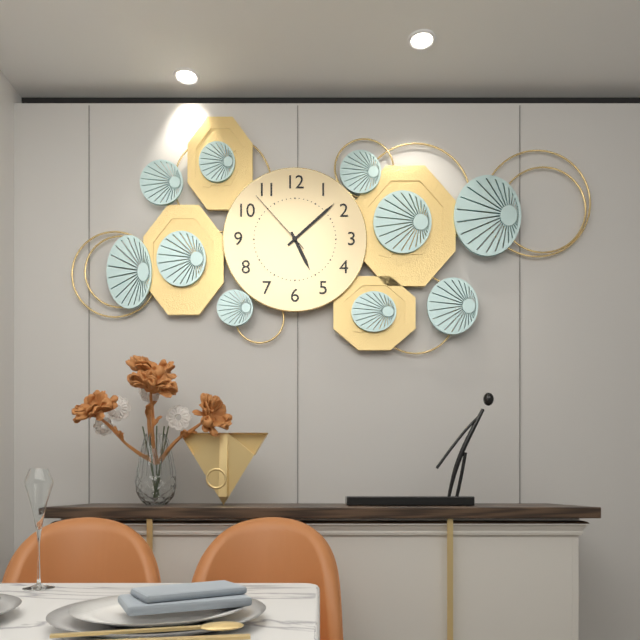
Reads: 5 h 08 min 53 s
